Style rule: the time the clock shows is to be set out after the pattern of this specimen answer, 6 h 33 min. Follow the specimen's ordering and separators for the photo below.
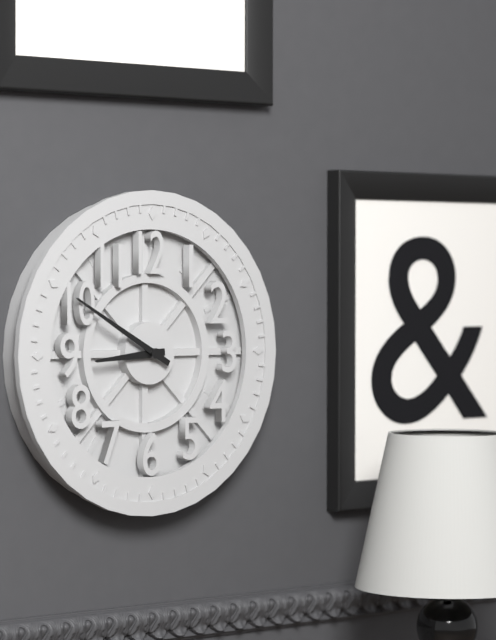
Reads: 8 h 50 min
